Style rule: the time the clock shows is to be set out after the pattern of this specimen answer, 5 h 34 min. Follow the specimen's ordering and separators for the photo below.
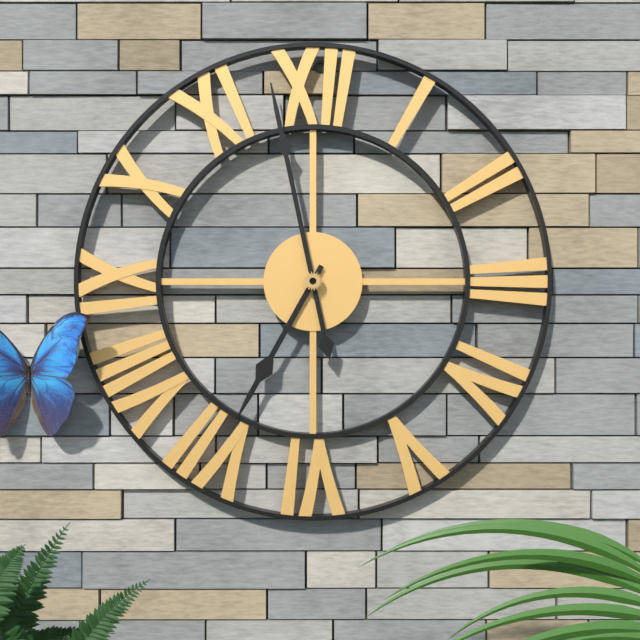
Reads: 6 h 58 min
